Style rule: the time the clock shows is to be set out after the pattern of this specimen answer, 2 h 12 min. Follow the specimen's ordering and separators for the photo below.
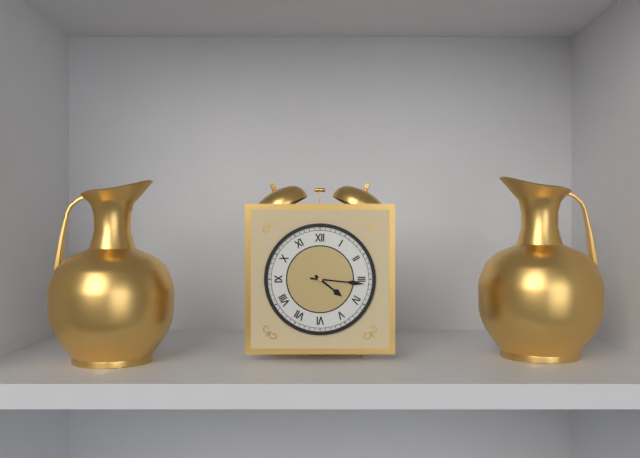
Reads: 4 h 16 min
